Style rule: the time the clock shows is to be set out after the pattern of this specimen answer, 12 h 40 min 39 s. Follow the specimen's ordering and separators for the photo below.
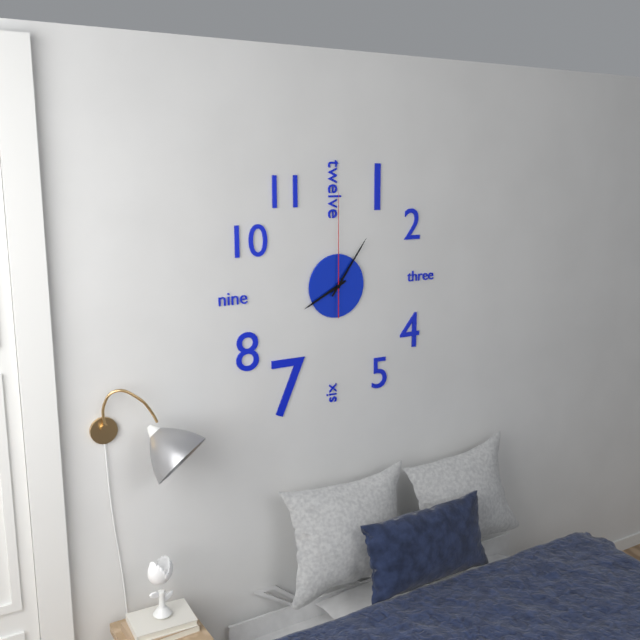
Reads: 8 h 06 min 00 s
